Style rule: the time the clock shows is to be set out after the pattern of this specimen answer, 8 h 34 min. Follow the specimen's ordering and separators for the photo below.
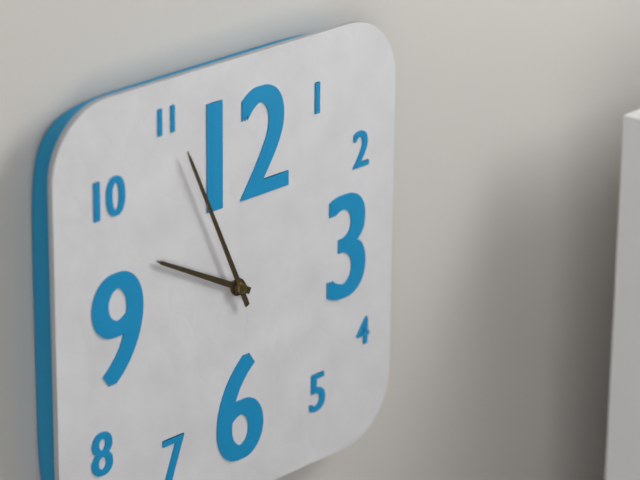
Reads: 9 h 56 min
